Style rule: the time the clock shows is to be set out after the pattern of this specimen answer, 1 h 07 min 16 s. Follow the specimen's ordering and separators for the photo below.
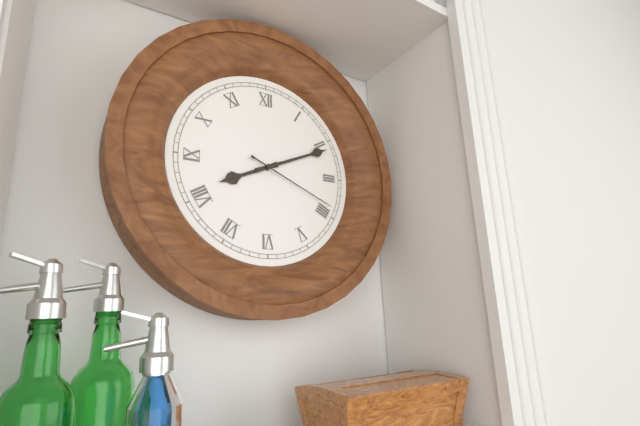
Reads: 8 h 11 min 19 s
